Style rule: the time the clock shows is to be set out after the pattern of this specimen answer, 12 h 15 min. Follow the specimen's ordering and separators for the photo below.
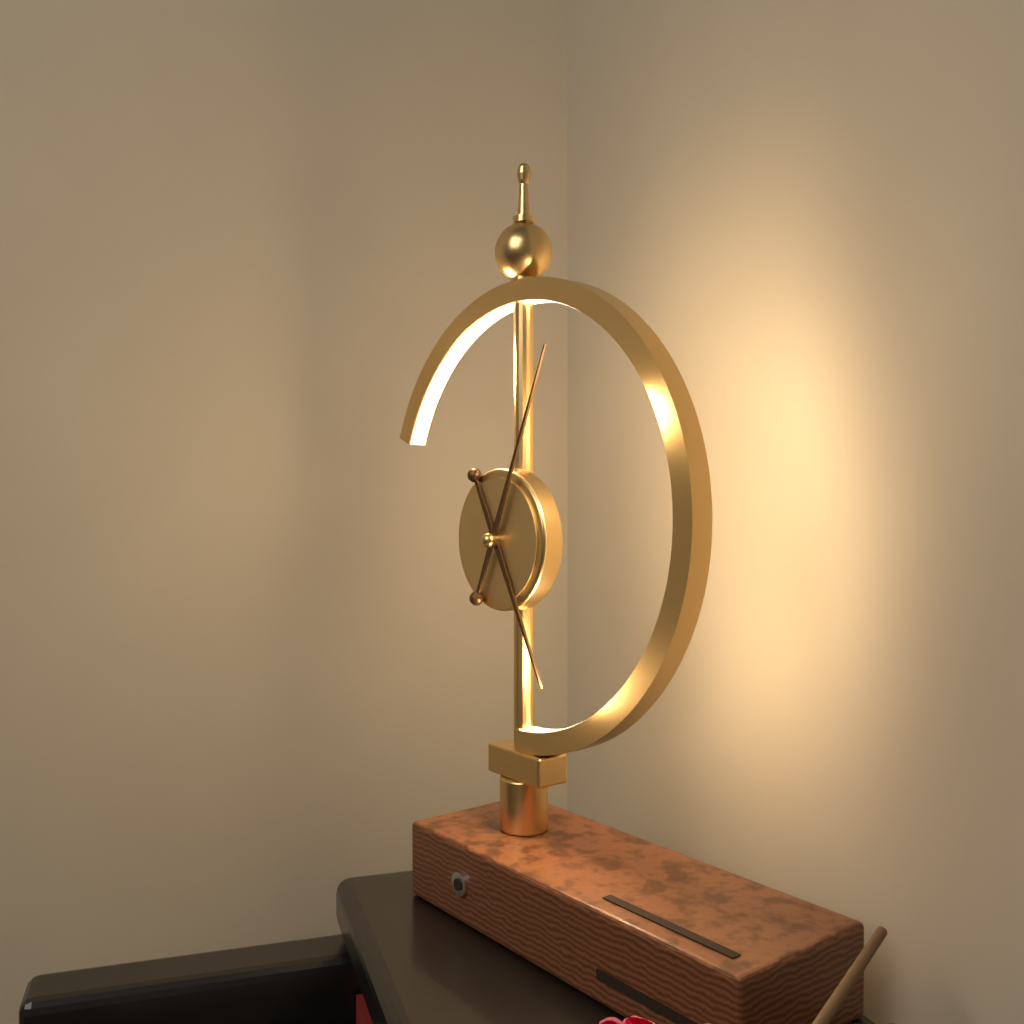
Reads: 5 h 04 min
